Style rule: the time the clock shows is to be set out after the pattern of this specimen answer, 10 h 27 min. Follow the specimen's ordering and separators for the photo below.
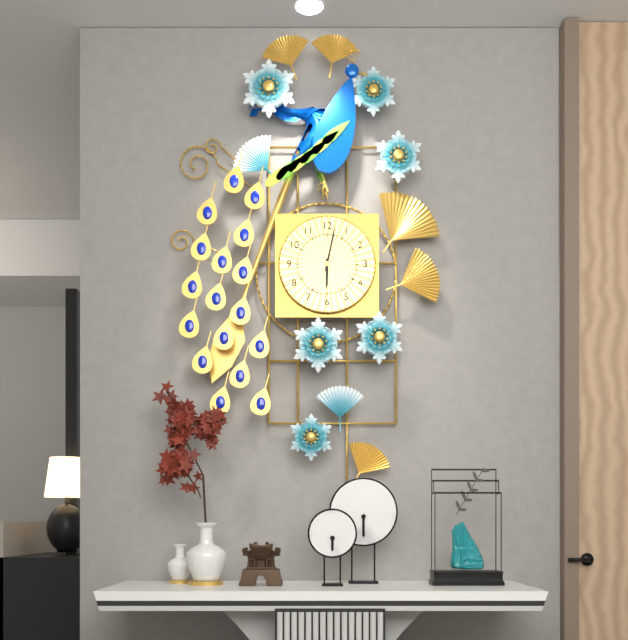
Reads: 6 h 02 min
